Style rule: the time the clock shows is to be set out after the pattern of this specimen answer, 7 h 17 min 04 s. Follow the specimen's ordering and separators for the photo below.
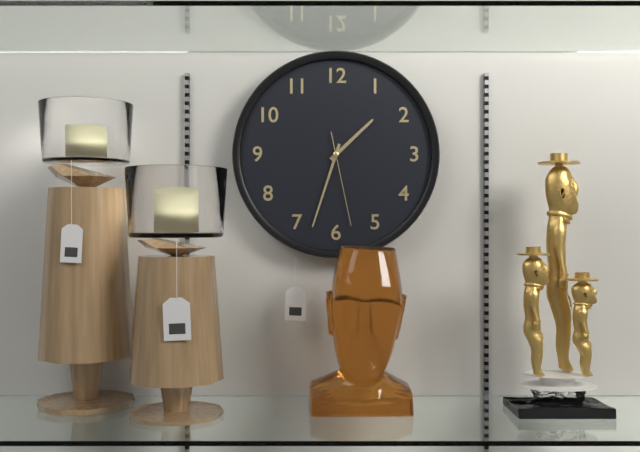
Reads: 1 h 33 min 28 s
